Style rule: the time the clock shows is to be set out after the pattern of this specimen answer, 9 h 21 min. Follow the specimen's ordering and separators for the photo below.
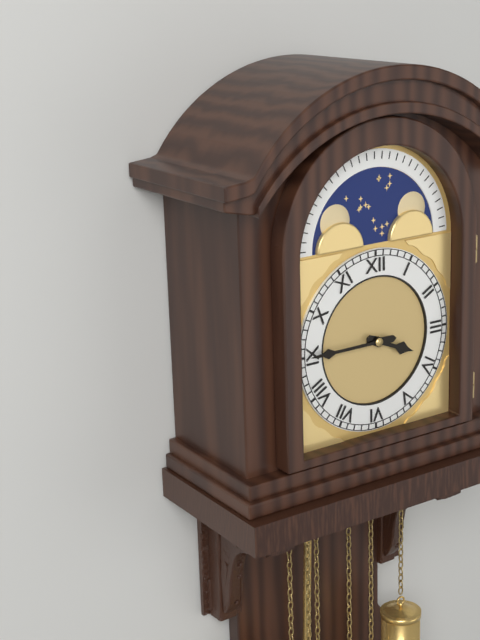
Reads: 3 h 45 min
